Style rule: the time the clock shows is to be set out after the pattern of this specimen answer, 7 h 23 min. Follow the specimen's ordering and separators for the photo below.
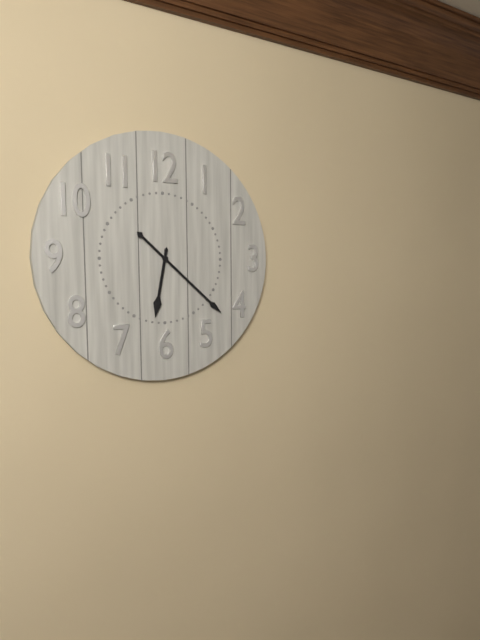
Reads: 6 h 22 min
